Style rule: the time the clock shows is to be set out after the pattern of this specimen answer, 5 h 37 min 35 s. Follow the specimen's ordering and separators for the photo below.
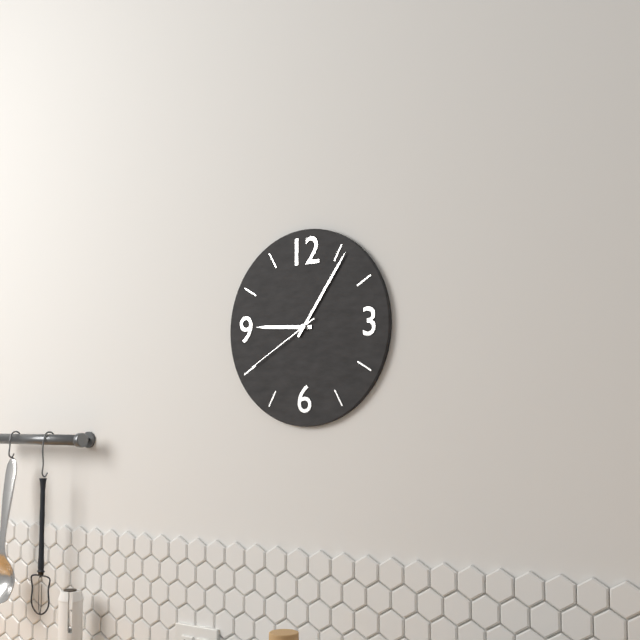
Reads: 9 h 06 min 40 s
